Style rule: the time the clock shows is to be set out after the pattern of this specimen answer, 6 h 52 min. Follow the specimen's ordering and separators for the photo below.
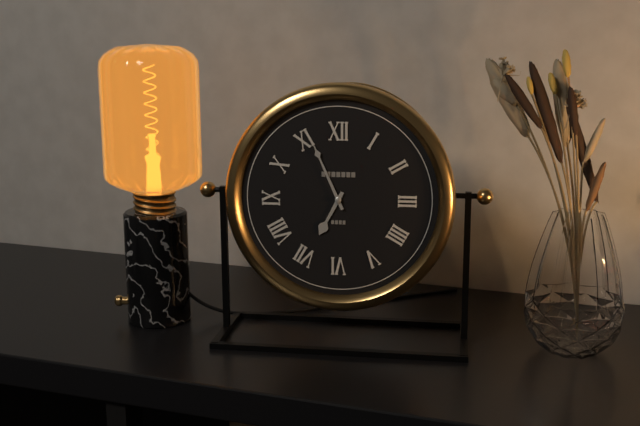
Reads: 6 h 56 min
